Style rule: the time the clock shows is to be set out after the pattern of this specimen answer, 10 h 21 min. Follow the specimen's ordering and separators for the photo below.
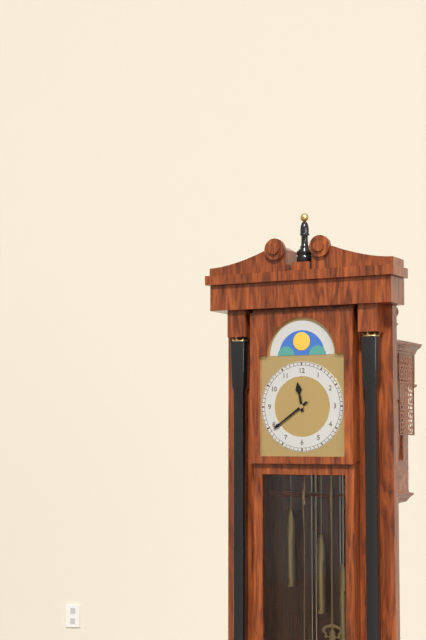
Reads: 11 h 39 min
